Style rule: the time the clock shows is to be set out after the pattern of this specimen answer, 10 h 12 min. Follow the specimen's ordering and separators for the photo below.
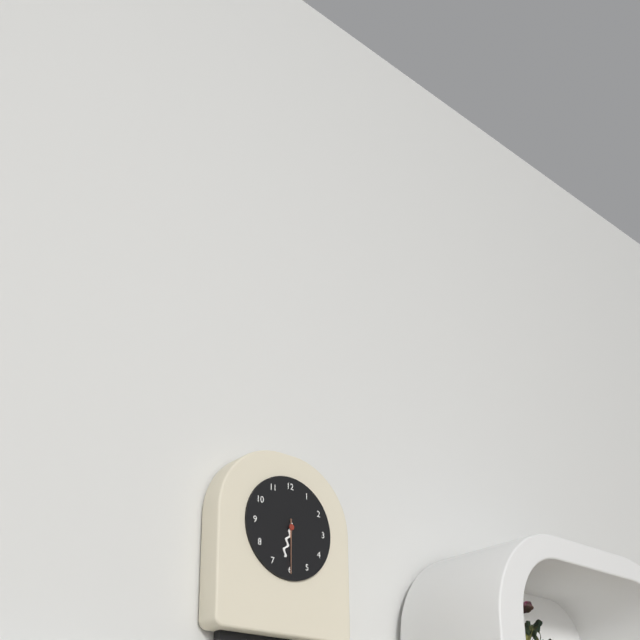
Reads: 6 h 30 min
